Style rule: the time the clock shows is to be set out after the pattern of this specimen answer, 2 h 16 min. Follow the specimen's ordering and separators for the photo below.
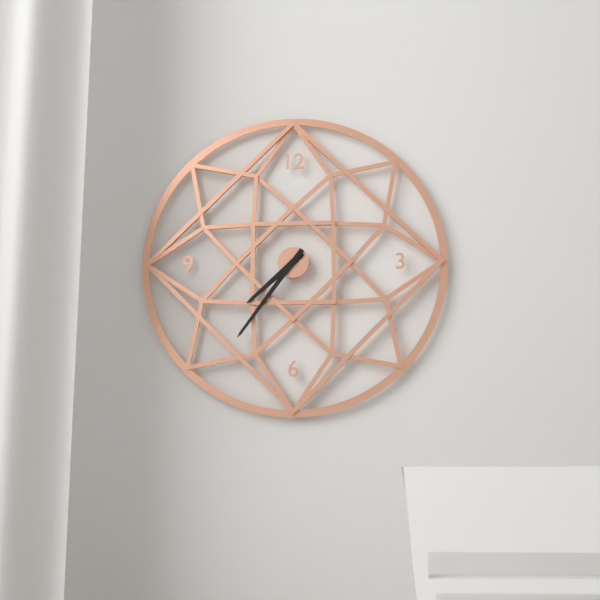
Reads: 7 h 36 min
